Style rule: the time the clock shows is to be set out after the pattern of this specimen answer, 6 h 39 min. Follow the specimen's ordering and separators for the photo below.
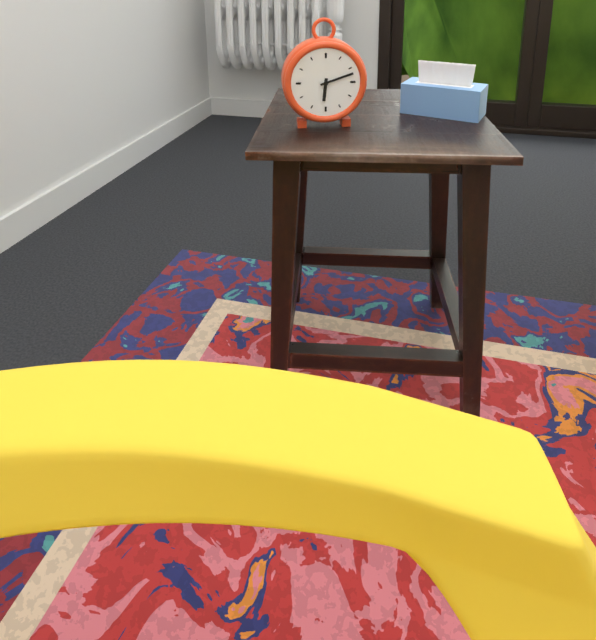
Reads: 6 h 12 min
